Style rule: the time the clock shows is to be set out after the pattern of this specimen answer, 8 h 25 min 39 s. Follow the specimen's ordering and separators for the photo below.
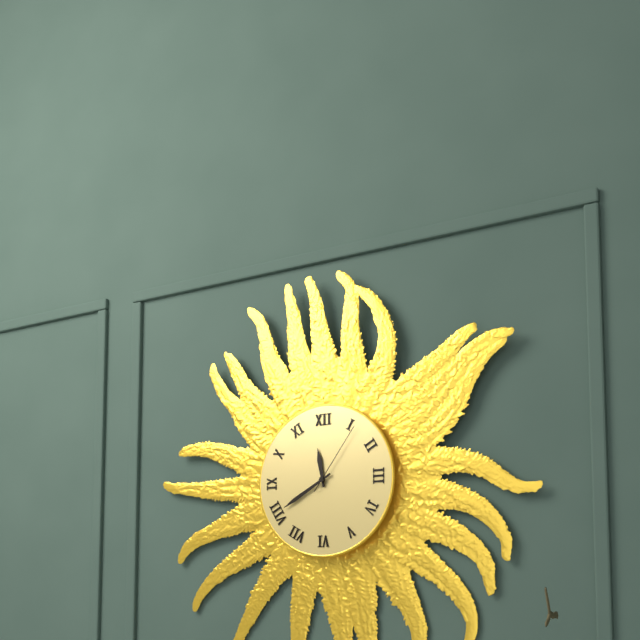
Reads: 11 h 40 min 06 s
